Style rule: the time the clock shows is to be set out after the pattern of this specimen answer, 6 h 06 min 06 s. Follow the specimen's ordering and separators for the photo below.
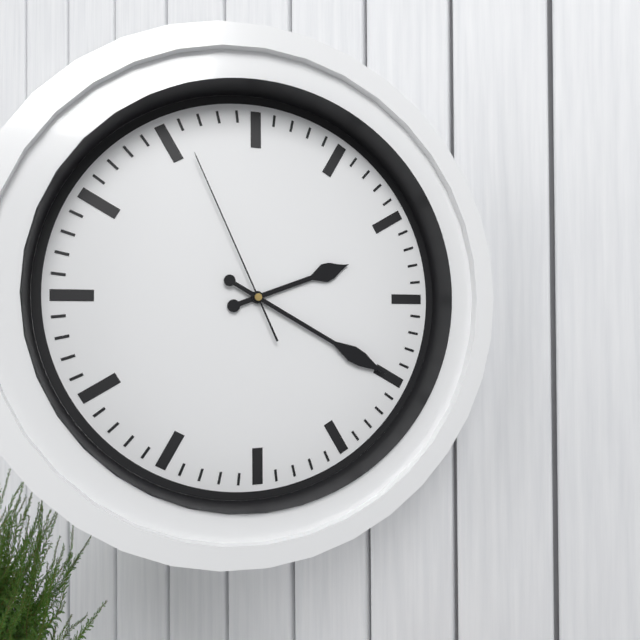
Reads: 2 h 20 min 56 s
